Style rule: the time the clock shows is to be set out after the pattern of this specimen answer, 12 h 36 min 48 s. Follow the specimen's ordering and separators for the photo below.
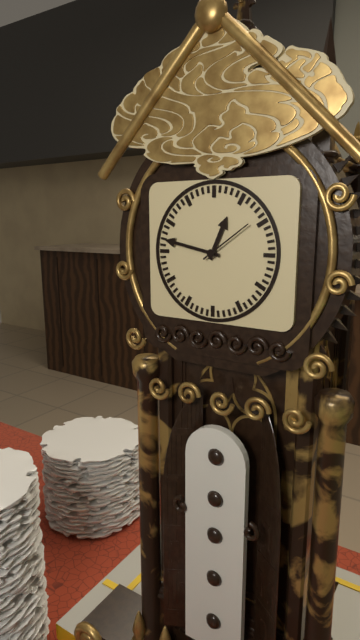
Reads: 12 h 47 min 09 s
